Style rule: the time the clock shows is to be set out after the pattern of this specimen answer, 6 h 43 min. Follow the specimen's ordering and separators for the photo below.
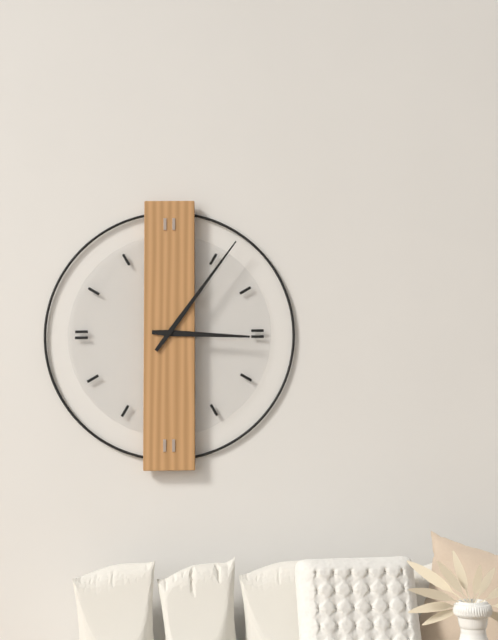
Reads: 3 h 06 min
